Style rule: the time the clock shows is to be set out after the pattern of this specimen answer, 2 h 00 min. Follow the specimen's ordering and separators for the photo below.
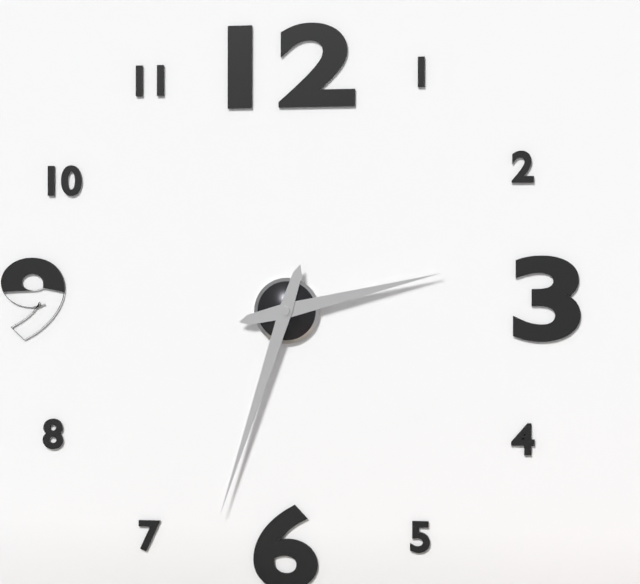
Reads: 2 h 33 min
